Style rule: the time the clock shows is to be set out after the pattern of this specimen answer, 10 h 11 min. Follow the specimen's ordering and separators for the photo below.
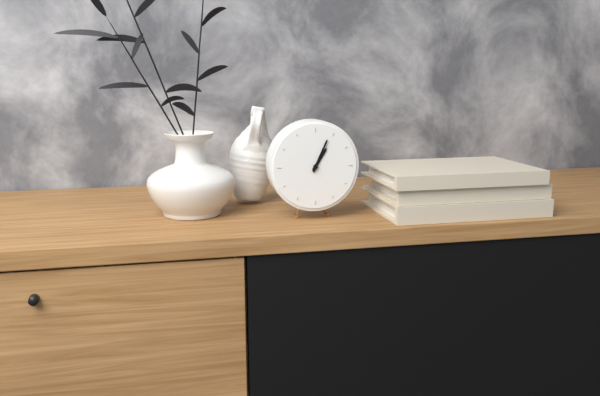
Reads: 1 h 04 min
